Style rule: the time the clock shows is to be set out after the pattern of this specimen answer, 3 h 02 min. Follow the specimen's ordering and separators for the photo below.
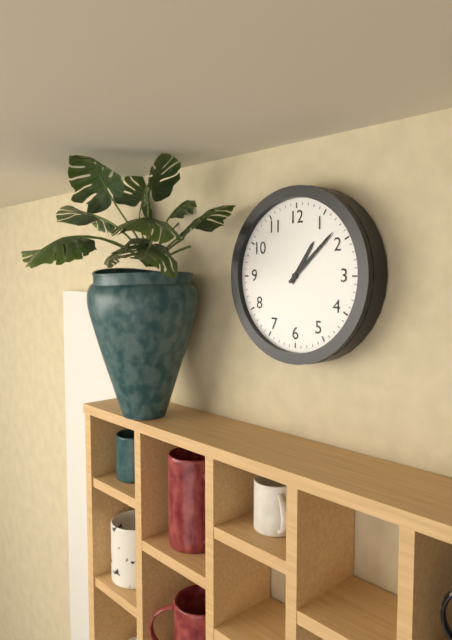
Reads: 1 h 08 min
